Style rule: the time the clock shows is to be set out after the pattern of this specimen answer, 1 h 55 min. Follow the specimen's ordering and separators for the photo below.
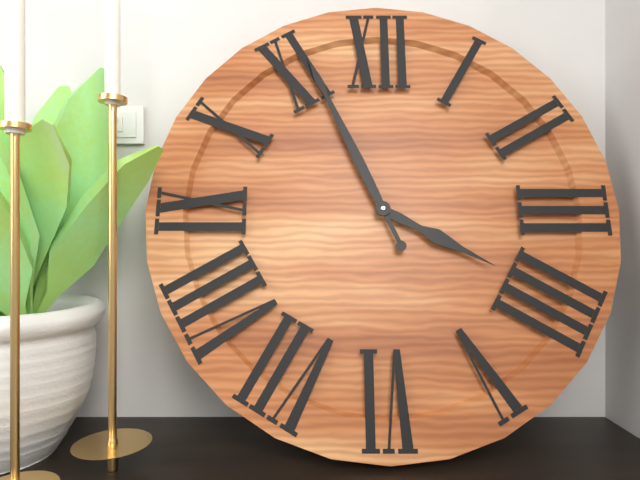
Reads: 3 h 56 min
